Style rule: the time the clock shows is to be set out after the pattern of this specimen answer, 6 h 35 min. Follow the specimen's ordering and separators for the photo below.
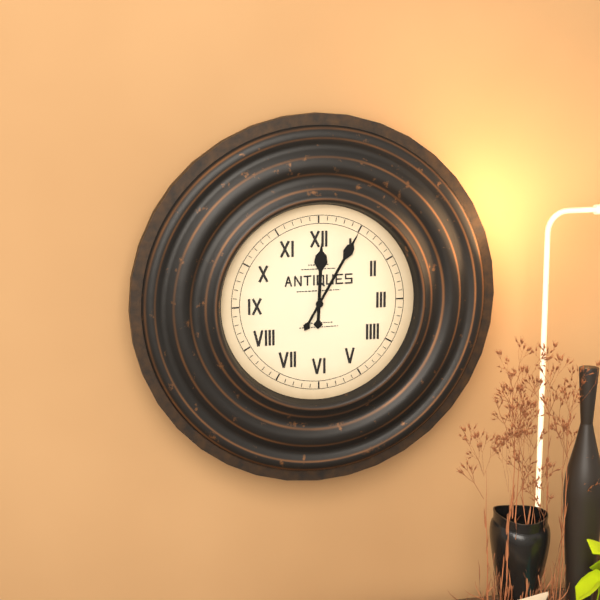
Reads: 12 h 05 min
